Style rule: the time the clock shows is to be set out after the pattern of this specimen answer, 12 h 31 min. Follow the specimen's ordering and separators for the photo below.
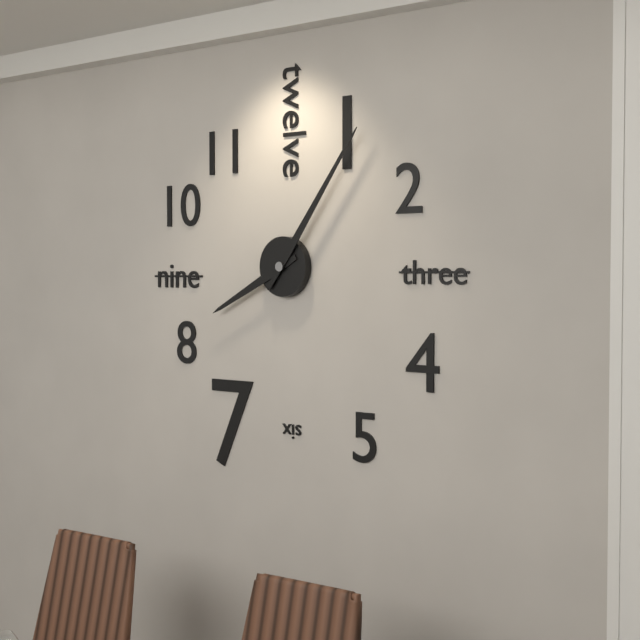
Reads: 8 h 06 min
